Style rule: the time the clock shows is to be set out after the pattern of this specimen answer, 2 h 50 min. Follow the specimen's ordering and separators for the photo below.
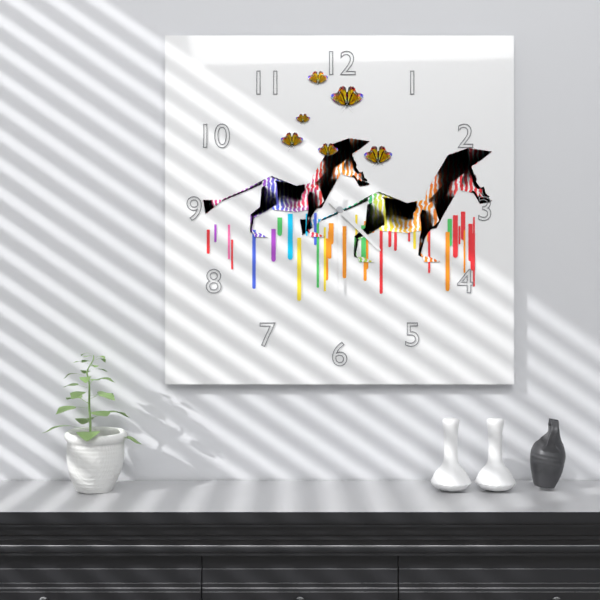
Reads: 4 h 30 min
